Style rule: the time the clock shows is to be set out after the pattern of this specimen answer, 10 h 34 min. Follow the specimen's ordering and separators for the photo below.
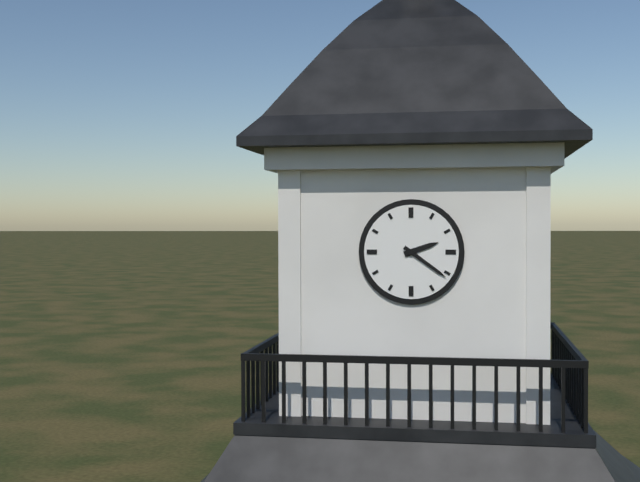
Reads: 2 h 21 min
